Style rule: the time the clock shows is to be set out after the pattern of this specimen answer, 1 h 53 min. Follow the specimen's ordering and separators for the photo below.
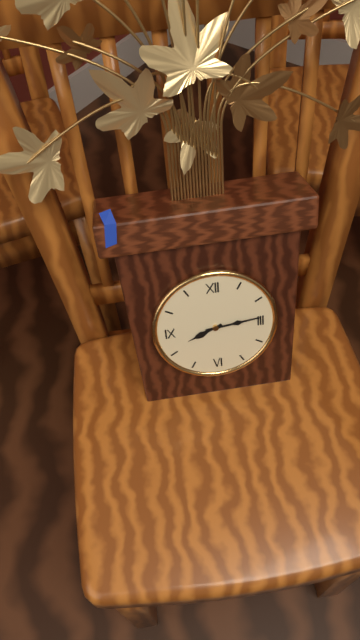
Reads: 8 h 14 min
